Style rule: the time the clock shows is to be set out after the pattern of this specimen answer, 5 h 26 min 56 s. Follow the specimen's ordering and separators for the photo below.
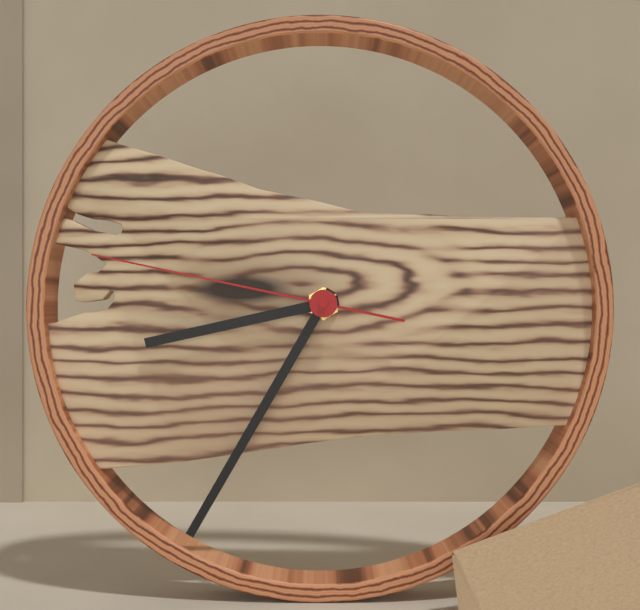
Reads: 8 h 35 min 47 s
